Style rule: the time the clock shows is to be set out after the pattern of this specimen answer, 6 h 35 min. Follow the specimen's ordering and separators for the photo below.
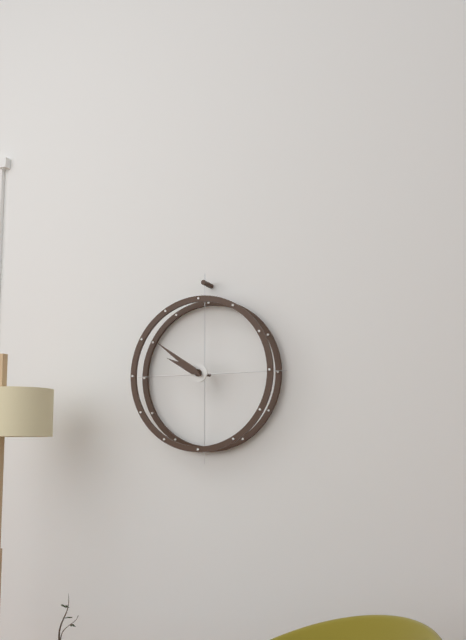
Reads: 9 h 51 min
